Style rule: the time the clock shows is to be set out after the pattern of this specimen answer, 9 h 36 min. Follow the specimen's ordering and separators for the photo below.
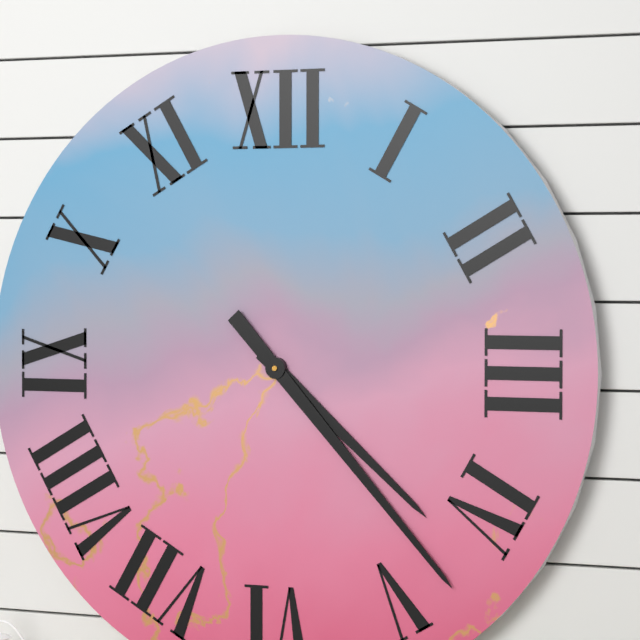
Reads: 4 h 23 min
